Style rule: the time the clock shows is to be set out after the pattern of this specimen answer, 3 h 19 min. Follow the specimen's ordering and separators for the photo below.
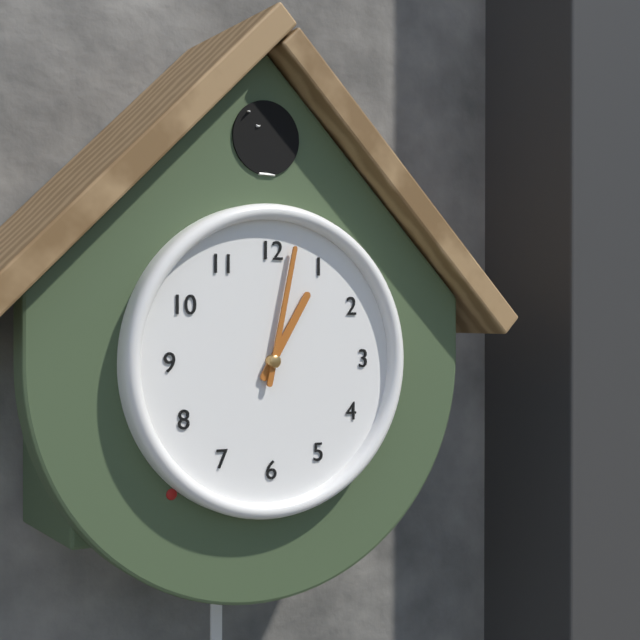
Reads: 1 h 02 min
